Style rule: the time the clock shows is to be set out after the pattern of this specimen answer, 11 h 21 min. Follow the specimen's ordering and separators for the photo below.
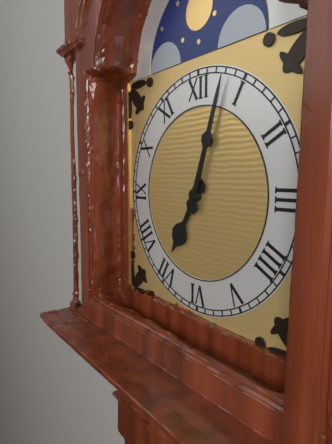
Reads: 7 h 03 min
